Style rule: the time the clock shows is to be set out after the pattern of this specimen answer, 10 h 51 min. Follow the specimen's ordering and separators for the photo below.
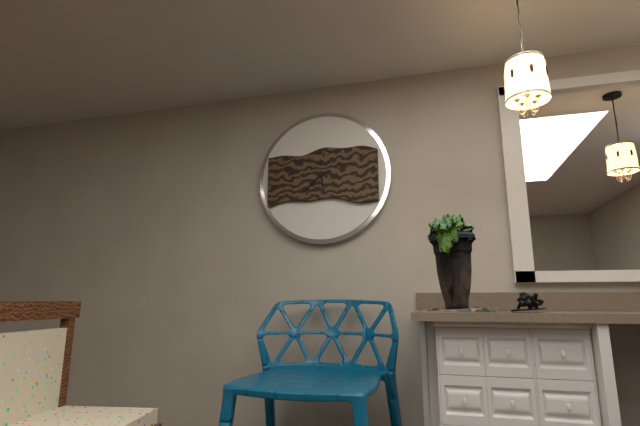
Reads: 5 h 38 min
